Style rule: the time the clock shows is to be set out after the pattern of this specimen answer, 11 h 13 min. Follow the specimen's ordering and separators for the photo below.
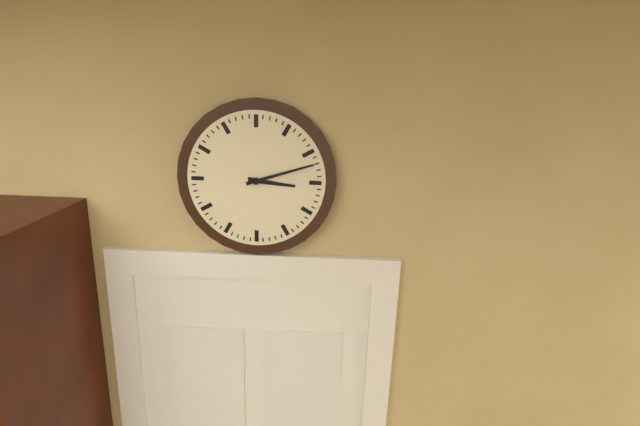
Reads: 3 h 12 min
